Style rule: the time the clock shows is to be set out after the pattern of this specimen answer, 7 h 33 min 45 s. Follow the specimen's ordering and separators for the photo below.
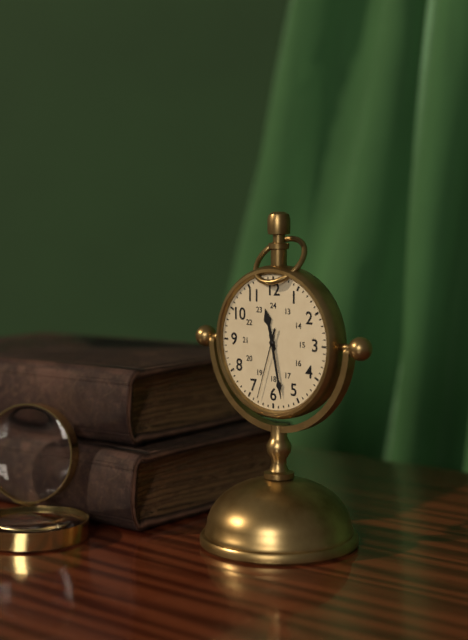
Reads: 11 h 28 min 33 s
